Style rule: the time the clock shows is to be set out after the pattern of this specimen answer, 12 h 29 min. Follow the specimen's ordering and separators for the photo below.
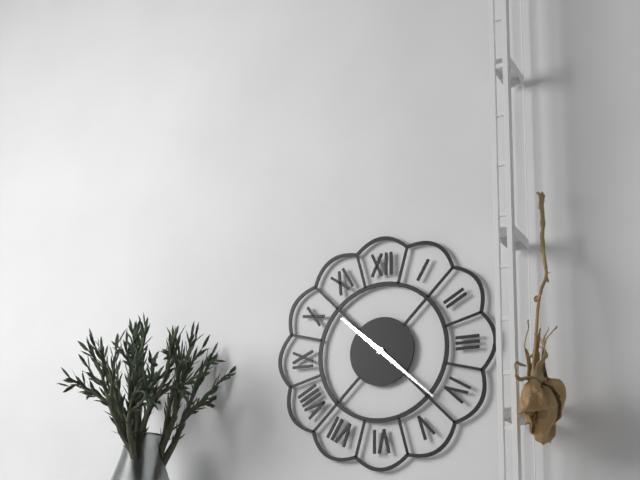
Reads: 10 h 22 min
